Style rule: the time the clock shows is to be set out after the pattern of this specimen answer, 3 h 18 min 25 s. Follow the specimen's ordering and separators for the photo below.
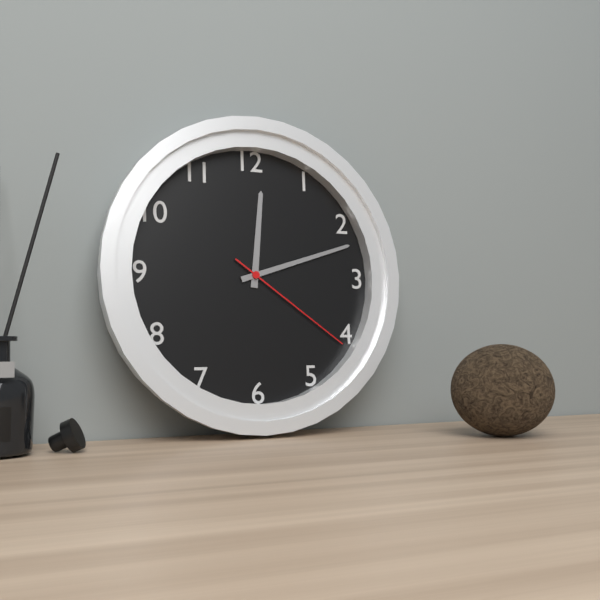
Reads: 12 h 12 min 21 s
